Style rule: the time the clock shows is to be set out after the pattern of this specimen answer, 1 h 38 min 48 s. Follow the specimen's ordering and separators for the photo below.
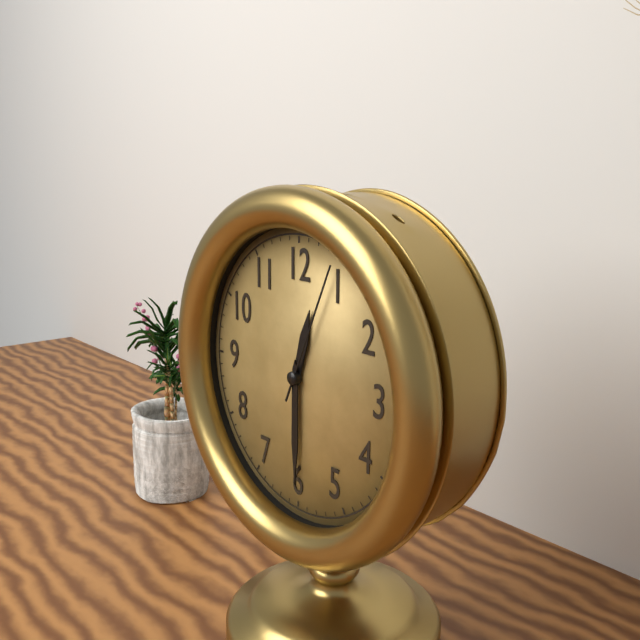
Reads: 12 h 30 min 04 s
